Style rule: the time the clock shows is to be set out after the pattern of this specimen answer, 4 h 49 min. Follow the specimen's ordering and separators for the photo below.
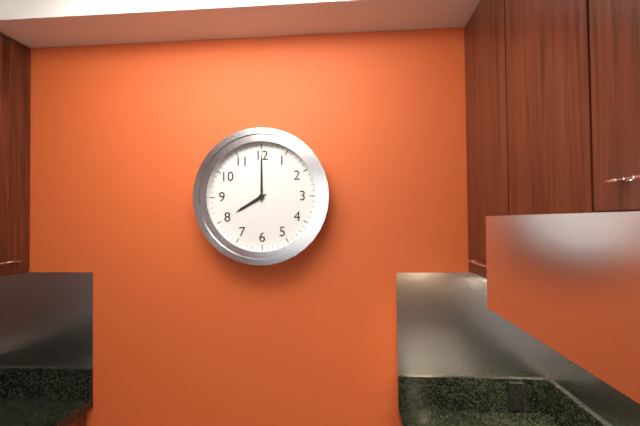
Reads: 8 h 00 min
